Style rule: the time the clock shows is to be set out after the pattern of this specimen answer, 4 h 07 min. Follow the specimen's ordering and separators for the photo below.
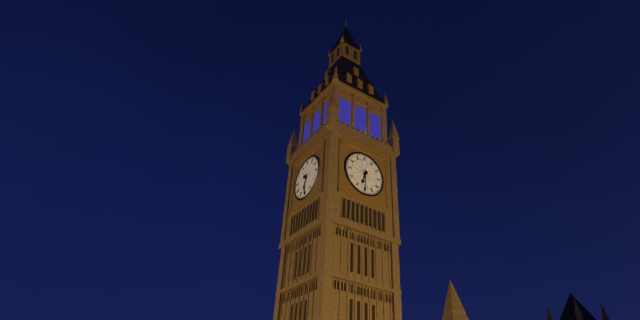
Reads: 6 h 30 min
